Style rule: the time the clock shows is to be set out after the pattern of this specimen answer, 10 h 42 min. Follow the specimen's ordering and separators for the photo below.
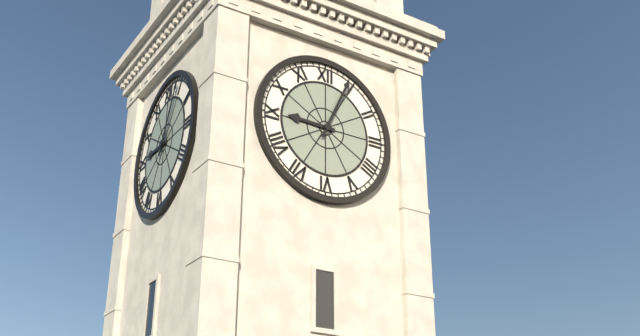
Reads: 9 h 04 min
